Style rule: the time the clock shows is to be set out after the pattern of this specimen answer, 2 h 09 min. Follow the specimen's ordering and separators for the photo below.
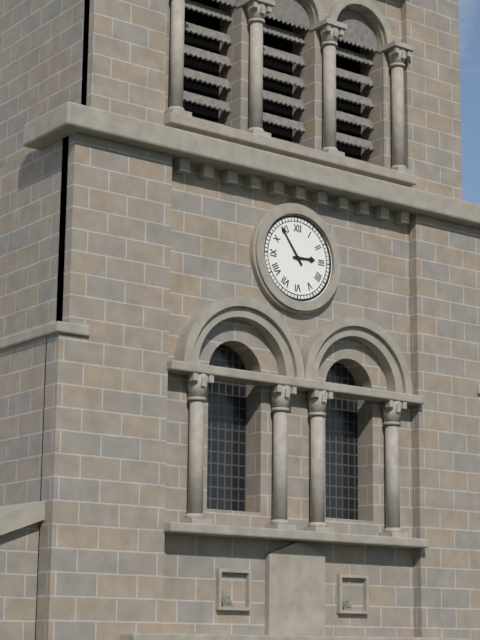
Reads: 2 h 54 min
